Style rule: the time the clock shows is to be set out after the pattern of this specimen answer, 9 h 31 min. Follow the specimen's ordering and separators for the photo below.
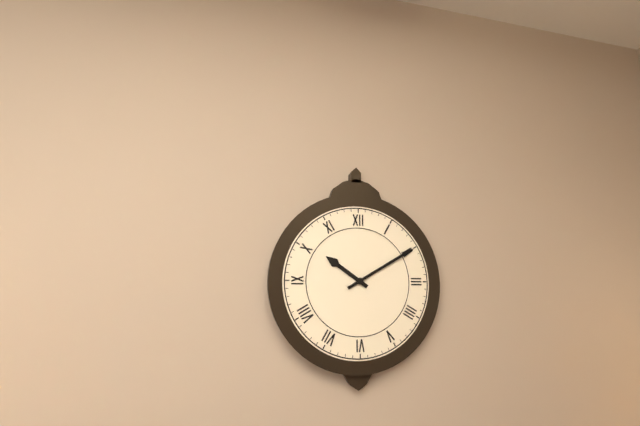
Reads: 10 h 10 min
